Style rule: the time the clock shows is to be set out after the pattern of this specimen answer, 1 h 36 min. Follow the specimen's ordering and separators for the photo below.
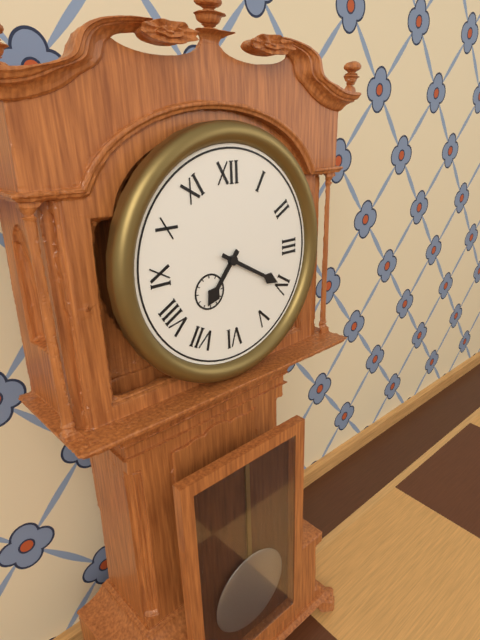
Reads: 7 h 20 min
